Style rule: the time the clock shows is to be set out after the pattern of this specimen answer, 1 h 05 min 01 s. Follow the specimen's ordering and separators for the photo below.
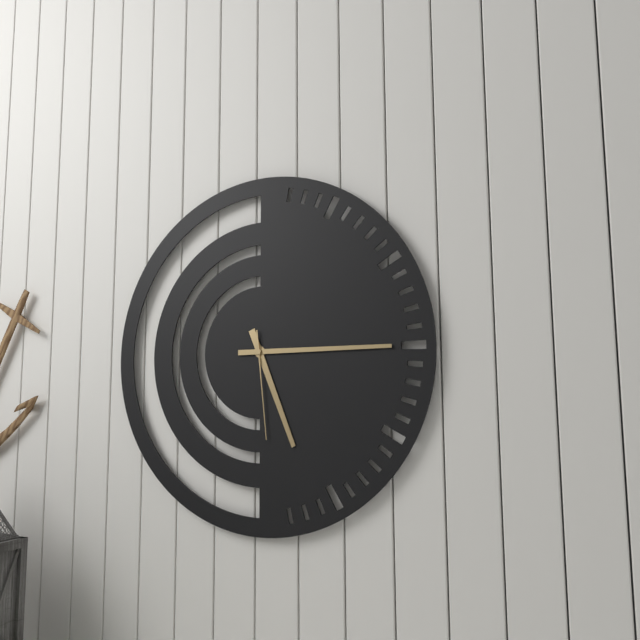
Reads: 5 h 15 min 29 s
